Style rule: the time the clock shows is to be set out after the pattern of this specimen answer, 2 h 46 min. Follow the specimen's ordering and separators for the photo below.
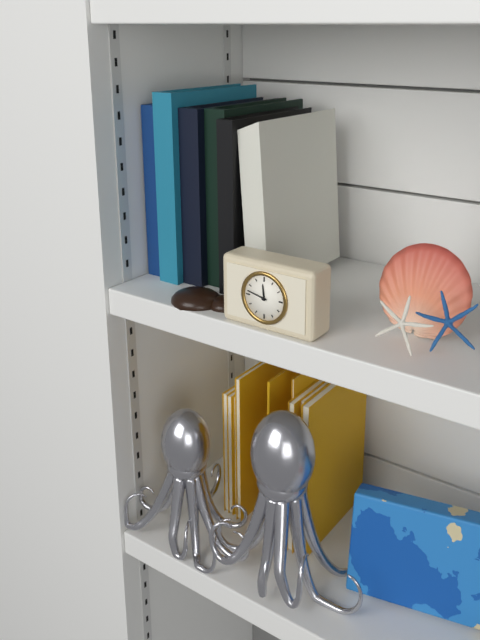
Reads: 11 h 47 min
